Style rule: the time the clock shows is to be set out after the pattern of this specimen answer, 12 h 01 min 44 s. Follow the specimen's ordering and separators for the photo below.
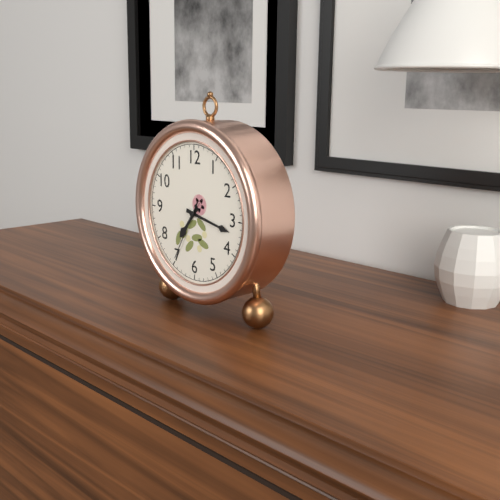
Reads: 7 h 17 min 35 s
